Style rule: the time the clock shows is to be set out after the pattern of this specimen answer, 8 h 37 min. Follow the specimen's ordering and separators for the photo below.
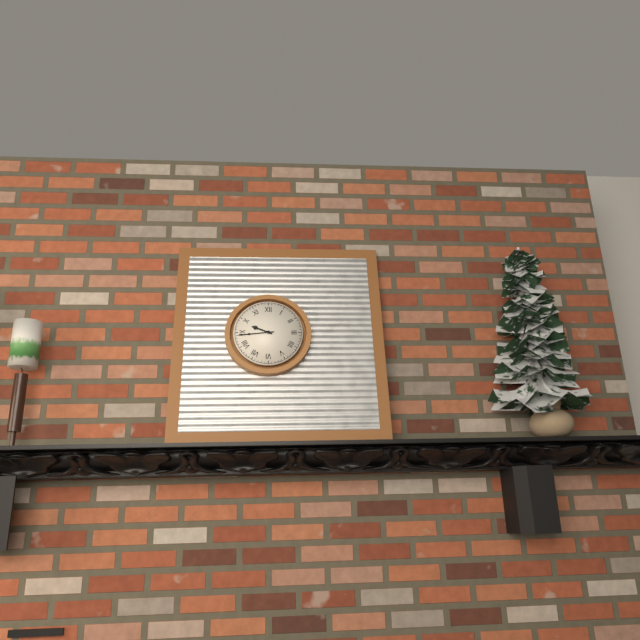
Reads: 9 h 44 min
